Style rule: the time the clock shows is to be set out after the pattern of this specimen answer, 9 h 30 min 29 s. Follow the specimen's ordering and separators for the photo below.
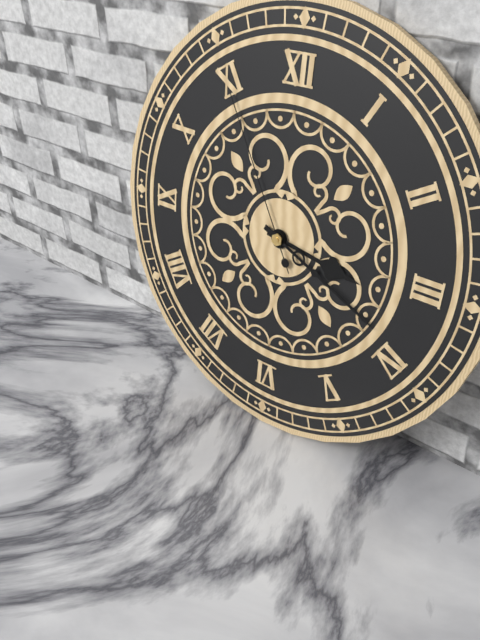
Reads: 3 h 19 min 55 s
